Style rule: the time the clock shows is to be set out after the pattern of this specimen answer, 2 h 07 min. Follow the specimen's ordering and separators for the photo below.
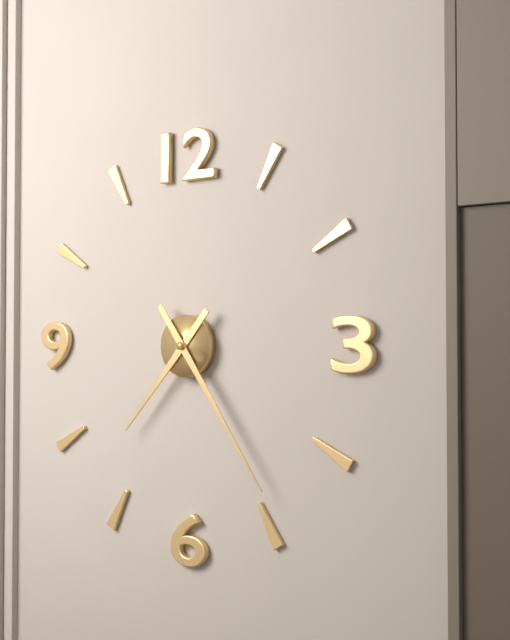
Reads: 7 h 24 min
